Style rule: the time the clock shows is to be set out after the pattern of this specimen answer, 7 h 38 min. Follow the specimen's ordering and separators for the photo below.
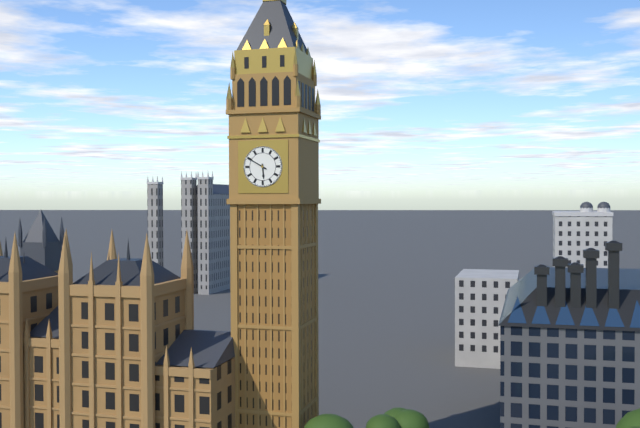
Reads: 5 h 50 min
